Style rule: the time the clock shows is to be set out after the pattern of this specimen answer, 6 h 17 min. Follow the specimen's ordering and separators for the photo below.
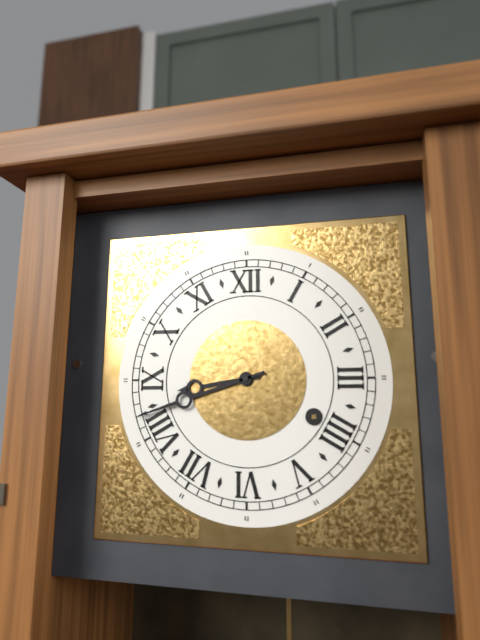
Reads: 8 h 42 min
